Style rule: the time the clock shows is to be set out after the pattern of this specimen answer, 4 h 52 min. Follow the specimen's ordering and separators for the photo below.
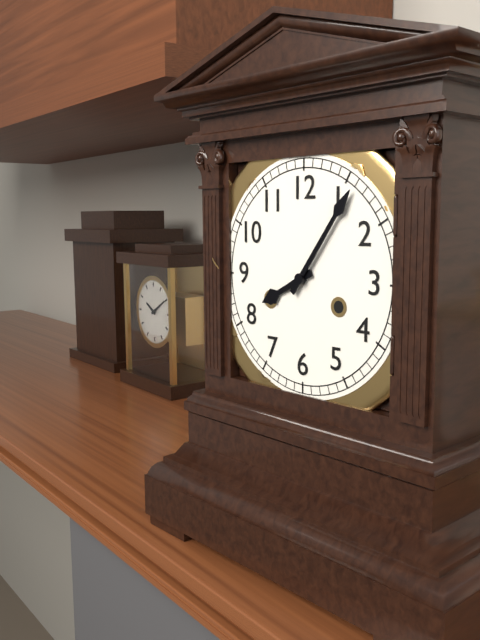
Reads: 8 h 06 min
